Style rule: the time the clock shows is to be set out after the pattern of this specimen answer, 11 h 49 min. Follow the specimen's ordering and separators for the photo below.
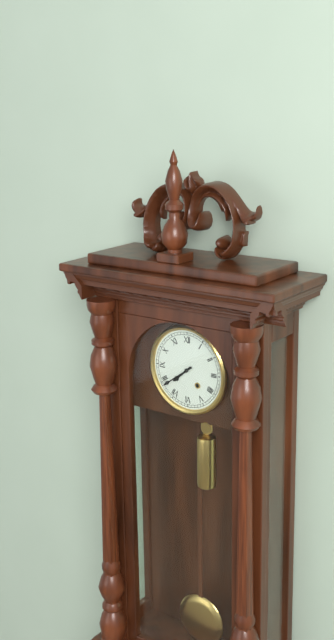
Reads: 7 h 39 min
